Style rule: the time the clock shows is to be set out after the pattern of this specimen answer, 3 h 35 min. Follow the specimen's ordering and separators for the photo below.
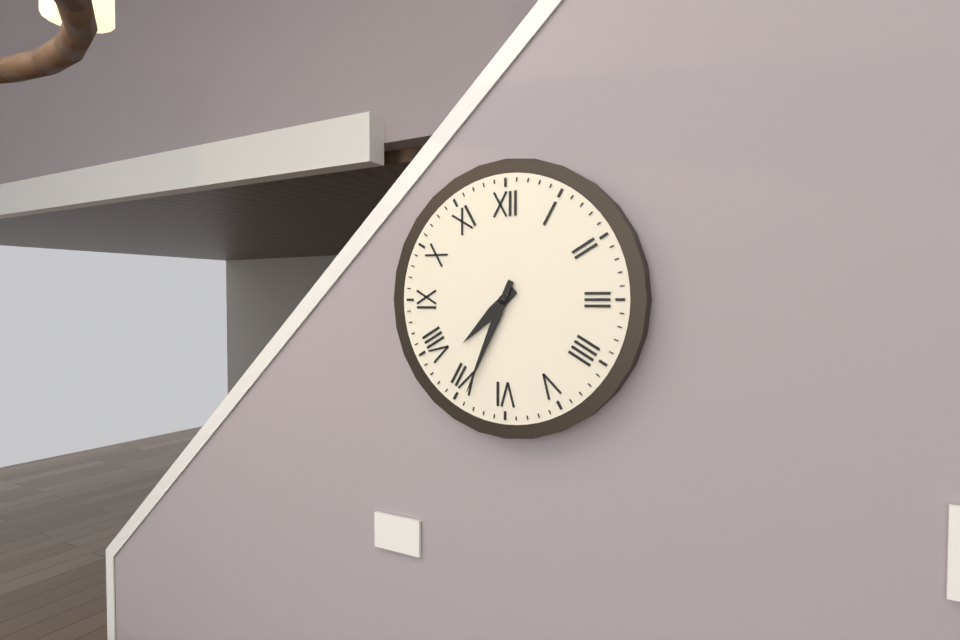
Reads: 7 h 34 min
